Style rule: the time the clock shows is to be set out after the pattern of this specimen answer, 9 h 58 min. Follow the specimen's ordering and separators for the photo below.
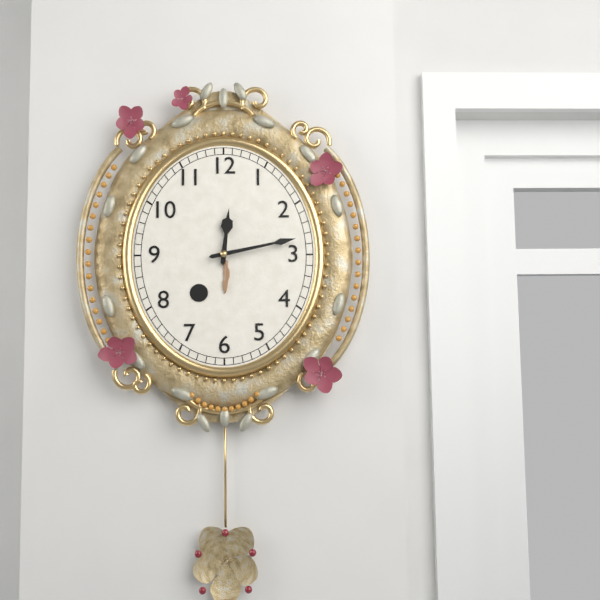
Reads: 12 h 13 min
